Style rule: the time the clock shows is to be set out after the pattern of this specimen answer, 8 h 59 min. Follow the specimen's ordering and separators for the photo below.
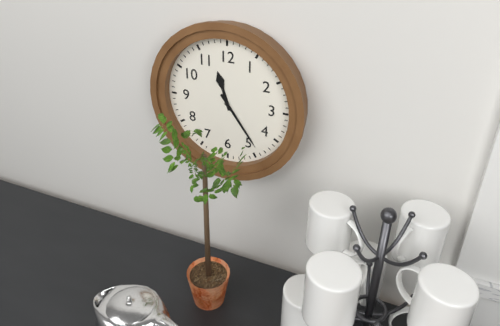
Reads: 11 h 24 min
